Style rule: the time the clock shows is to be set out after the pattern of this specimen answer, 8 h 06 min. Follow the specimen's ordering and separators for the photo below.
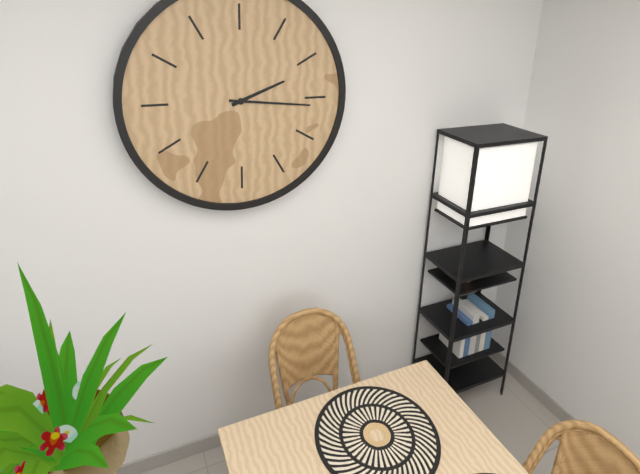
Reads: 2 h 16 min
